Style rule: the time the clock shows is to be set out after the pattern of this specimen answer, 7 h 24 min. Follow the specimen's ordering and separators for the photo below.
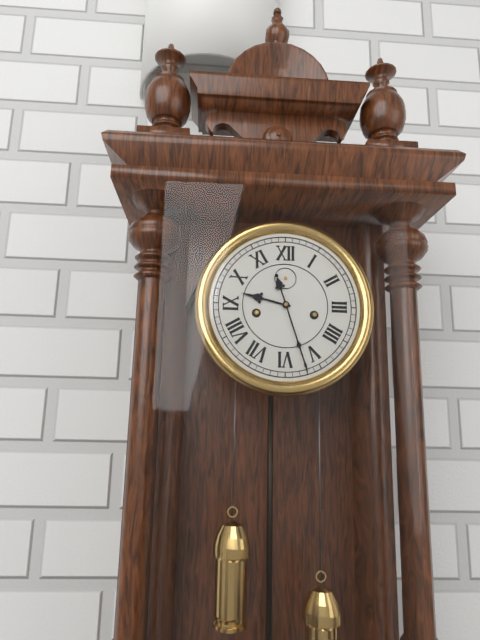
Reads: 9 h 27 min
